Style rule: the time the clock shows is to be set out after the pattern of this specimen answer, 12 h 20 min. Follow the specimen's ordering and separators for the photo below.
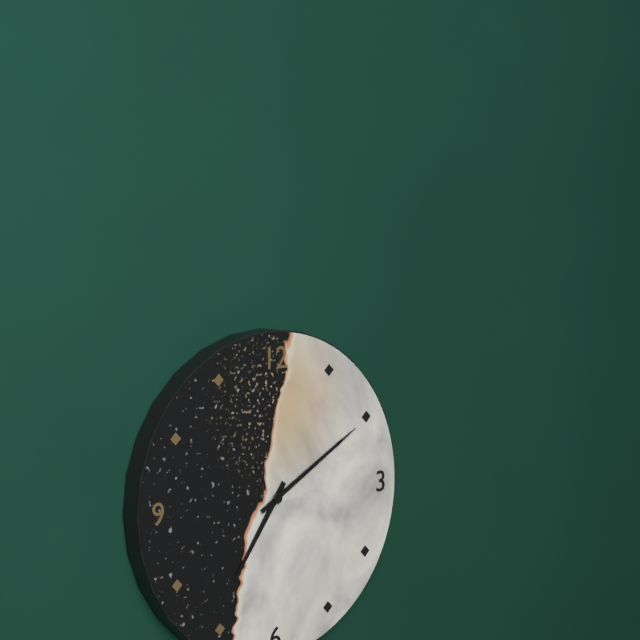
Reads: 7 h 10 min
